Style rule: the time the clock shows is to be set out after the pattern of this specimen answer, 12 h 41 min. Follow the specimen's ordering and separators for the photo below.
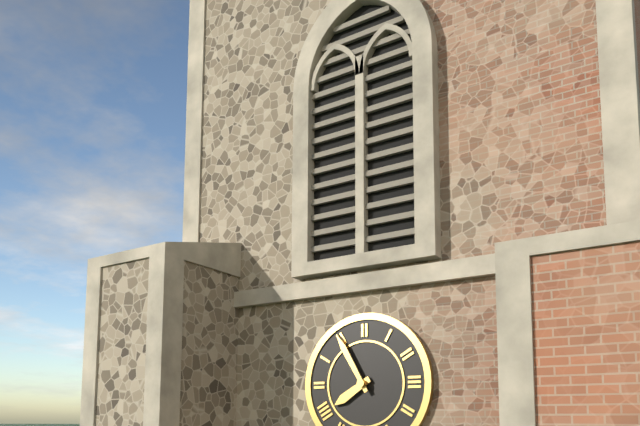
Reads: 7 h 55 min
